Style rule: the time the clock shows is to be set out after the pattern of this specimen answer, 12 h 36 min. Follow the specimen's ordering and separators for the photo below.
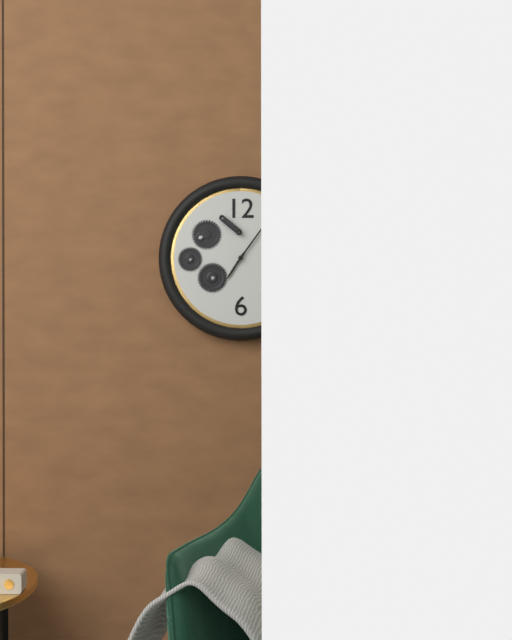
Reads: 7 h 06 min
